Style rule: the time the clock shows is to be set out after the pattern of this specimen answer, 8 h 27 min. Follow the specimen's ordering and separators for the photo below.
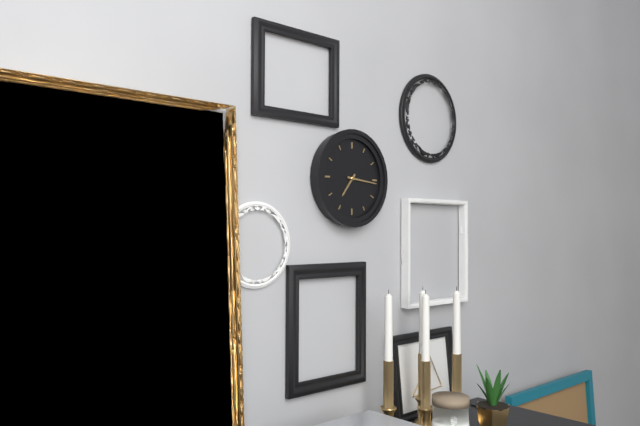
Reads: 7 h 16 min
